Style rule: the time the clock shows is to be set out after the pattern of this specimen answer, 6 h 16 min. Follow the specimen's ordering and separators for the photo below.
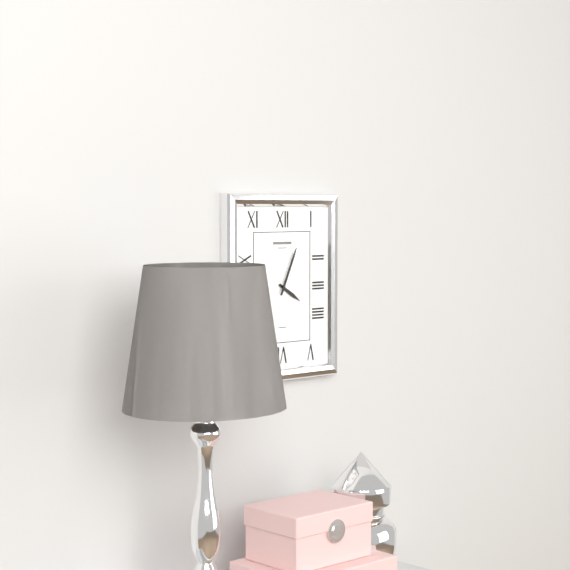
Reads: 4 h 04 min
